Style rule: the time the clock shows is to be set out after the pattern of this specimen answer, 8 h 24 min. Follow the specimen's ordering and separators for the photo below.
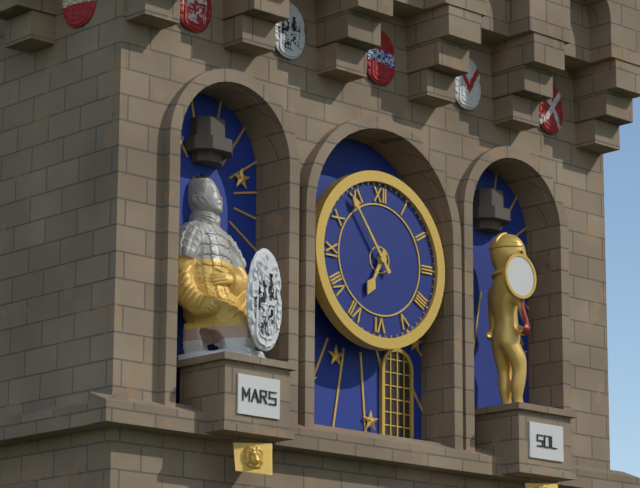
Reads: 6 h 54 min
